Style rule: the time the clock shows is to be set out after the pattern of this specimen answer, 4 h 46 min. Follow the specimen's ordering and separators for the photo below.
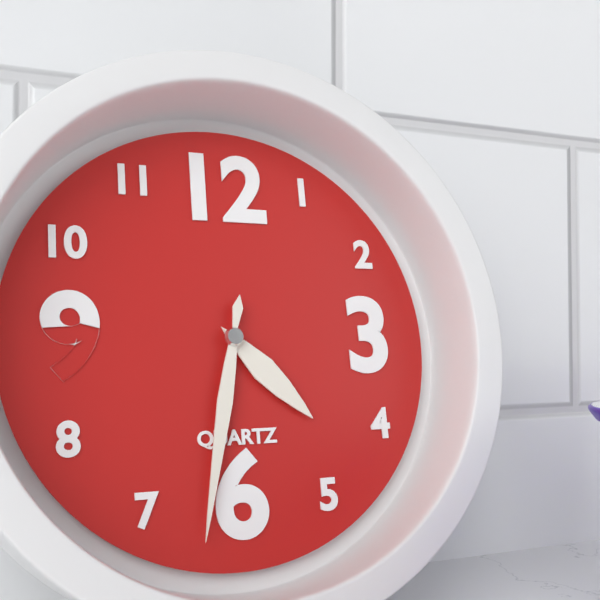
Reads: 4 h 32 min
